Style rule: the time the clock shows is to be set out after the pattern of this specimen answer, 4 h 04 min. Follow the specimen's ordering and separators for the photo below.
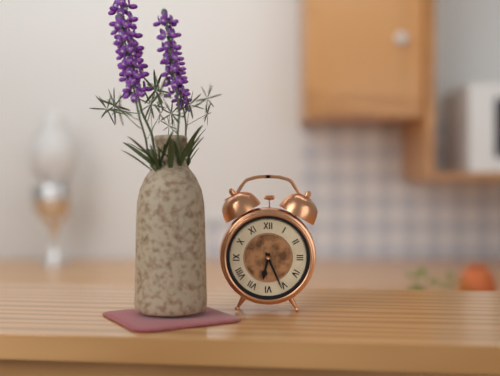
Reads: 6 h 26 min
